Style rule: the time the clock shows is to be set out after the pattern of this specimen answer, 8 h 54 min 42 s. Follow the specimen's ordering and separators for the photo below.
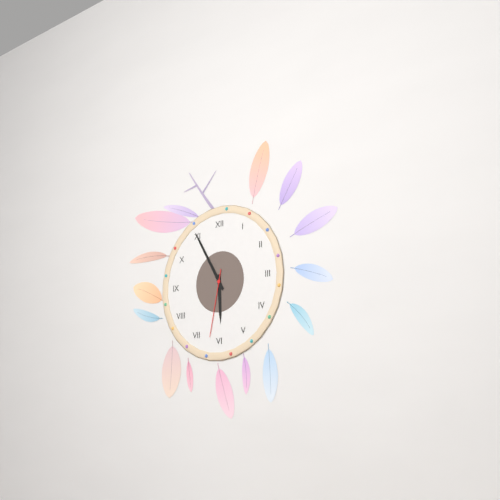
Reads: 5 h 55 min 32 s
